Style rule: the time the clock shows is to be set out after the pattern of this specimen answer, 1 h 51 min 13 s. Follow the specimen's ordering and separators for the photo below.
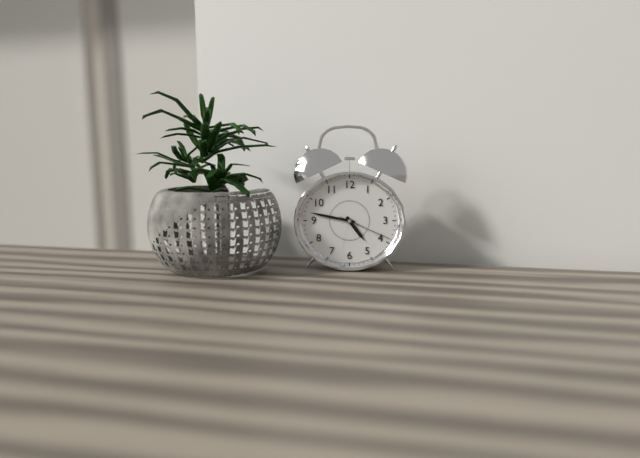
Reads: 4 h 47 min 19 s
